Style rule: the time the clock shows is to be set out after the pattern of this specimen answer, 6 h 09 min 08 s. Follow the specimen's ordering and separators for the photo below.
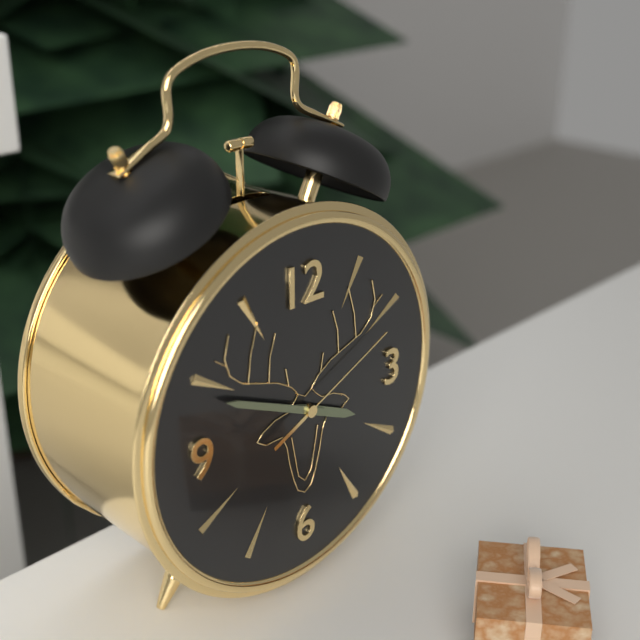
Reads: 3 h 49 min 11 s
